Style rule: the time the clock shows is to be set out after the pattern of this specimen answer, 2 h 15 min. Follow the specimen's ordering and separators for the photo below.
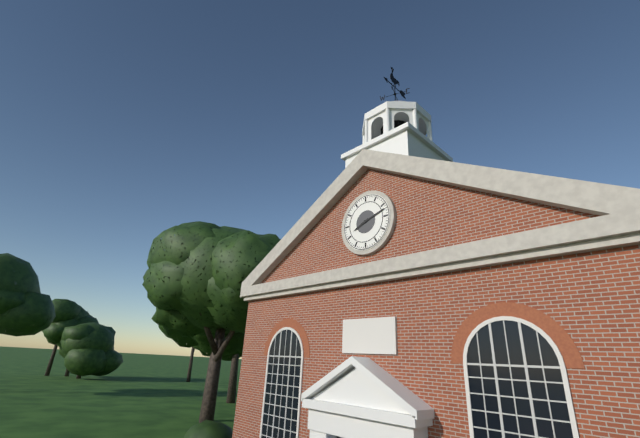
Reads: 8 h 12 min
